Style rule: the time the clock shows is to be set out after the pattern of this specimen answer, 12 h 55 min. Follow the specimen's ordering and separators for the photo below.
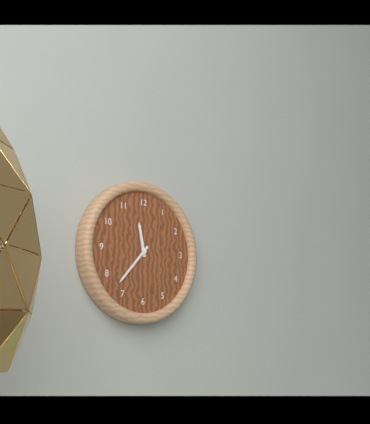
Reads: 11 h 37 min
